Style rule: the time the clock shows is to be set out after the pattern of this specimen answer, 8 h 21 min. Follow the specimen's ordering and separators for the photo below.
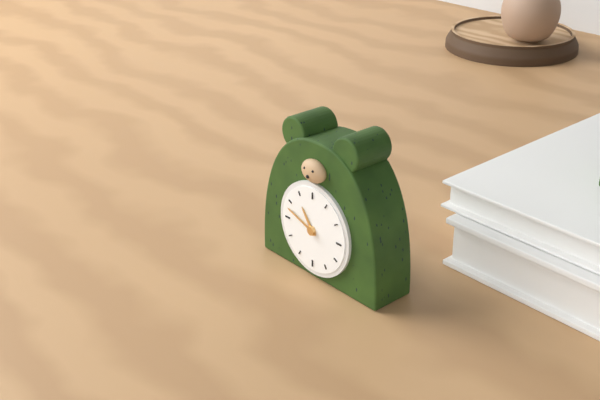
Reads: 10 h 48 min
